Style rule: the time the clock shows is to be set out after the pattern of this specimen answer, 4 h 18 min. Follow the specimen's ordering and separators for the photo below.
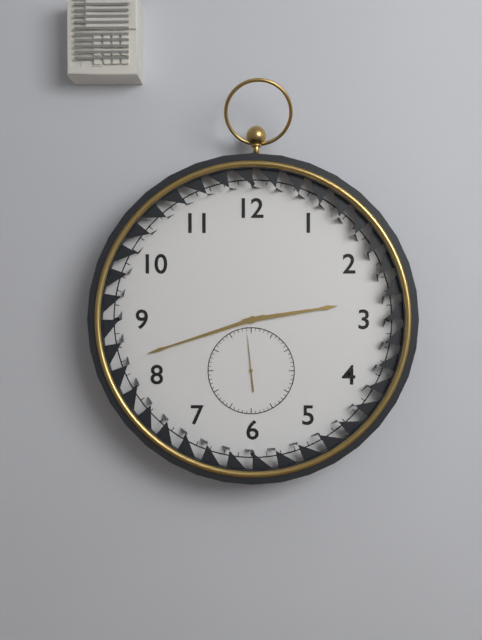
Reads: 2 h 42 min
